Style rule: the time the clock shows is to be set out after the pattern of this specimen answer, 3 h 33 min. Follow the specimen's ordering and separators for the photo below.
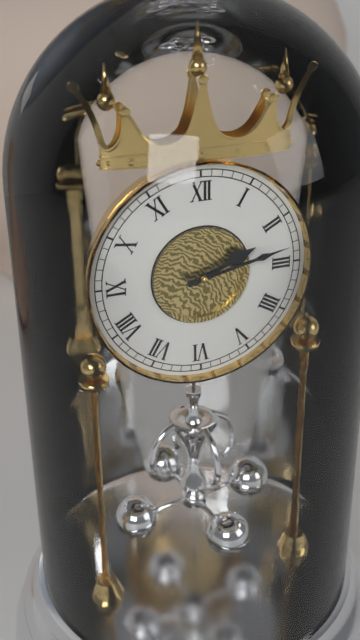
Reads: 2 h 13 min
